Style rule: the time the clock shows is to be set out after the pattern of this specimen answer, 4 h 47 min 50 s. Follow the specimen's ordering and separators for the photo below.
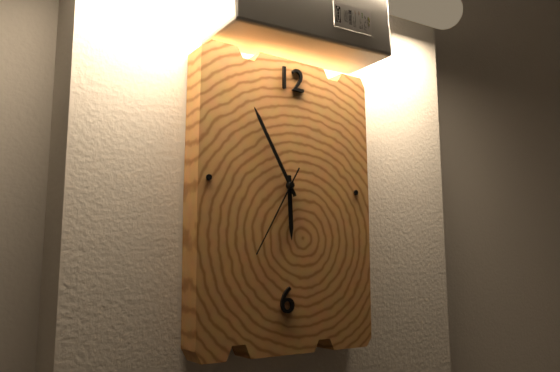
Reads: 5 h 55 min 35 s
